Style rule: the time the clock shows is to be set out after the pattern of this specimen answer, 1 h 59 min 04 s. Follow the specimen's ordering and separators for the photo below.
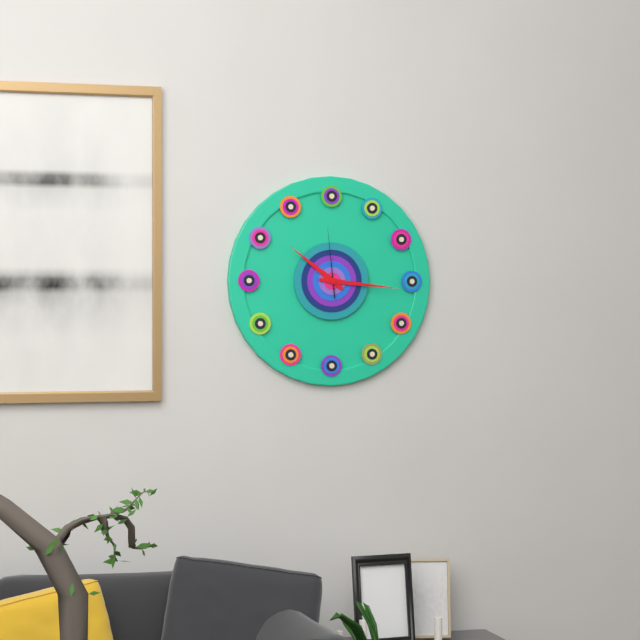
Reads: 10 h 16 min 59 s
